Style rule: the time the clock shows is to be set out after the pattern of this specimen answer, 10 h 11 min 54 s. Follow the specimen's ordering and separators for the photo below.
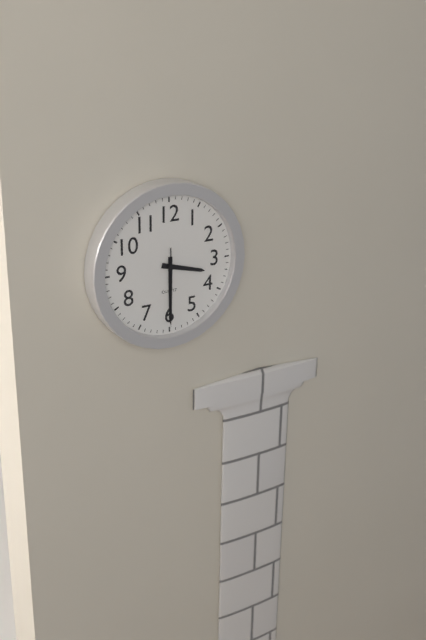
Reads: 3 h 30 min 30 s
